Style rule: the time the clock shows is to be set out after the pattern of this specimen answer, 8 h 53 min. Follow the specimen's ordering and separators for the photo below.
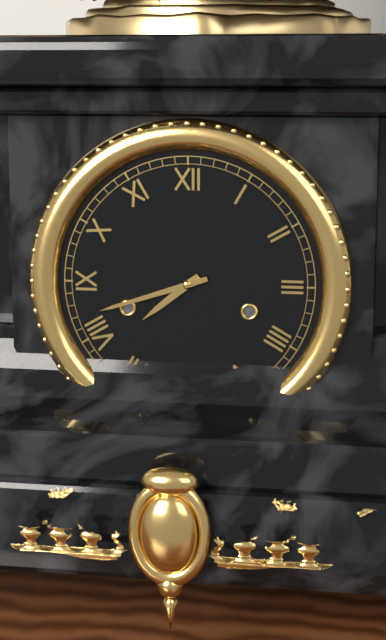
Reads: 7 h 42 min
